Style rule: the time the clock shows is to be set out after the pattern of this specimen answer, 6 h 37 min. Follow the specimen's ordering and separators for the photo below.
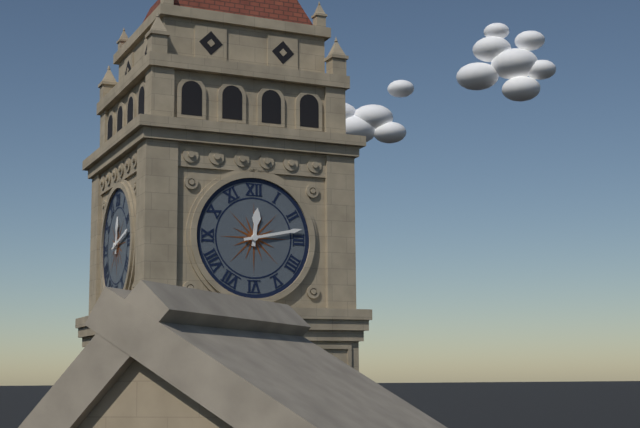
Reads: 12 h 13 min
